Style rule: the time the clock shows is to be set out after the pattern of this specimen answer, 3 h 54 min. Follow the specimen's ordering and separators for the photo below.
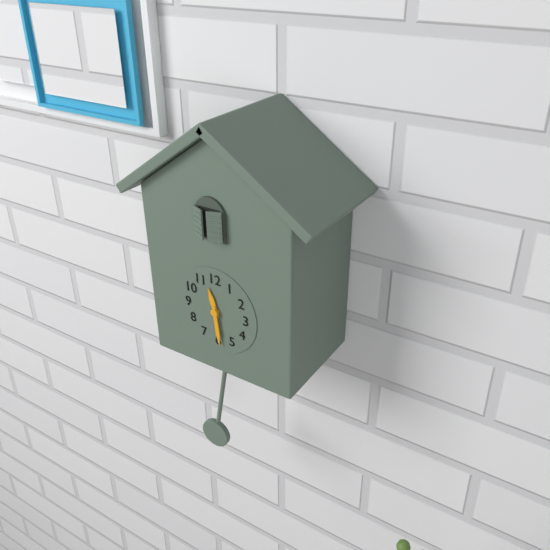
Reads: 11 h 29 min
